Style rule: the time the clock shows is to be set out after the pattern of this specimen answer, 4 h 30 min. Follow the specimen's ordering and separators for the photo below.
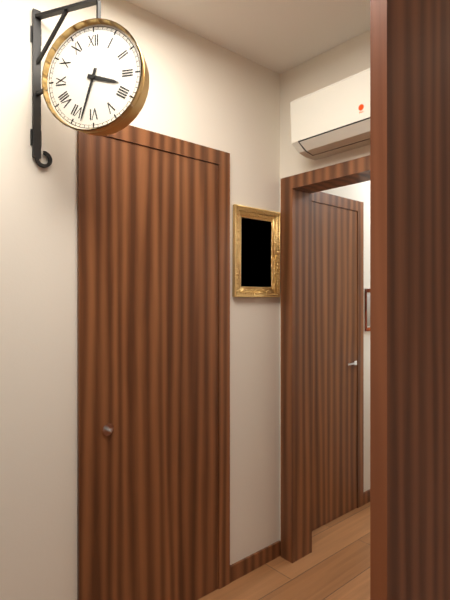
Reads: 3 h 33 min
